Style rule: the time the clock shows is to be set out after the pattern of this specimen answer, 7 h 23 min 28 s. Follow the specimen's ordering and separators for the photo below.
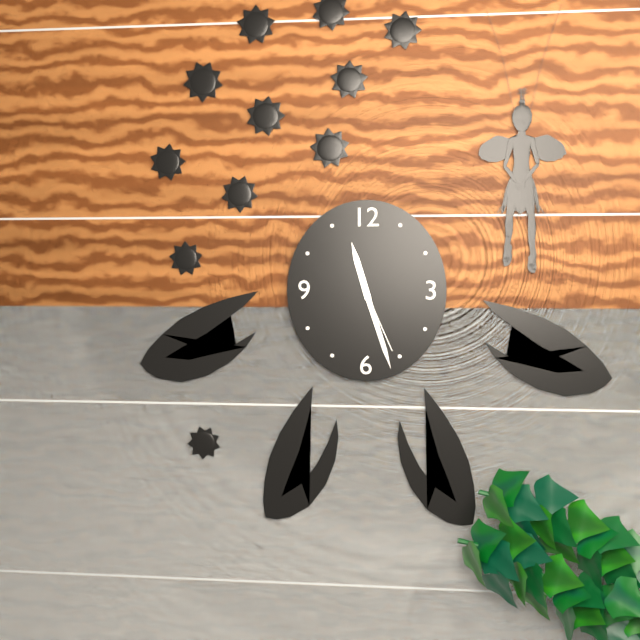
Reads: 11 h 27 min 26 s
